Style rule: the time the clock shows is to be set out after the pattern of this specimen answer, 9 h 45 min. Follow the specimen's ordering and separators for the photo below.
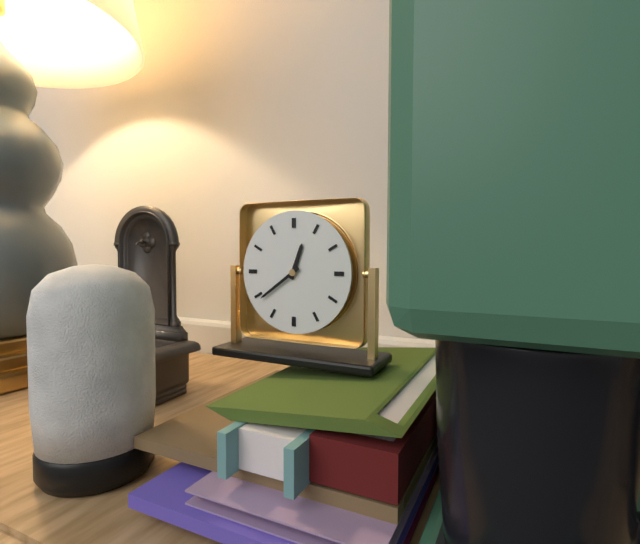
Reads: 12 h 39 min
